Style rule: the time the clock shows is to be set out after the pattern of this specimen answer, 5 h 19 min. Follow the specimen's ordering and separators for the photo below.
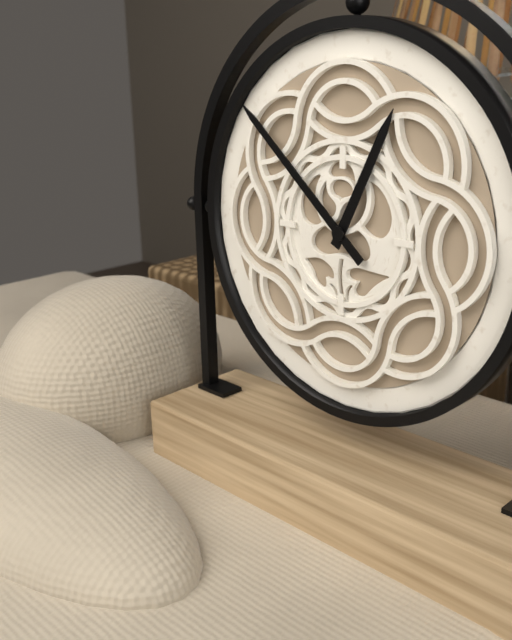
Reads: 12 h 52 min
